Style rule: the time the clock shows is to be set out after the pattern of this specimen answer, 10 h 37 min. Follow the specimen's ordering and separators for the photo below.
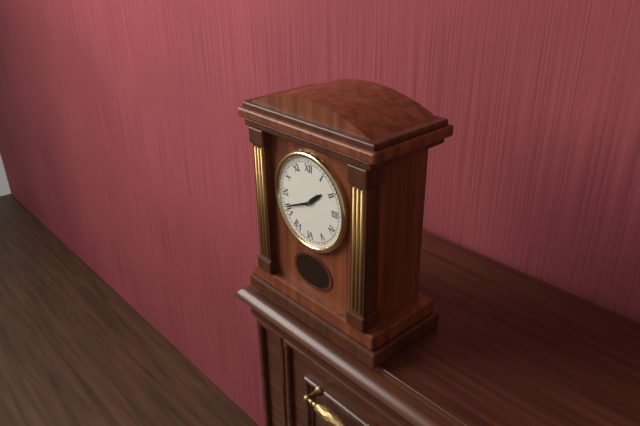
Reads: 1 h 41 min
